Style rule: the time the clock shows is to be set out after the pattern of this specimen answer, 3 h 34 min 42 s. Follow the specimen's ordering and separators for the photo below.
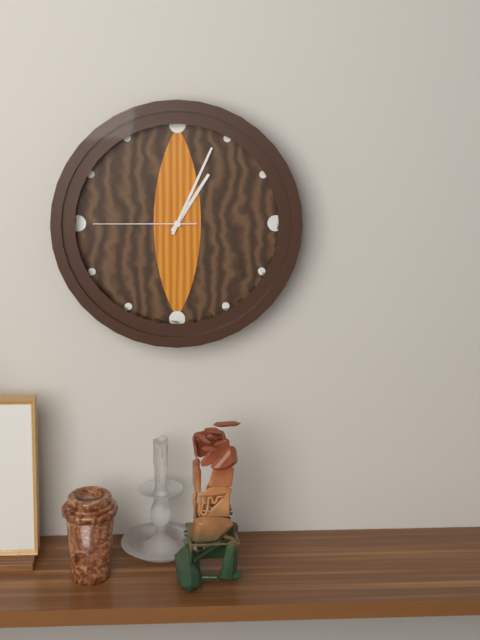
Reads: 1 h 04 min 45 s
